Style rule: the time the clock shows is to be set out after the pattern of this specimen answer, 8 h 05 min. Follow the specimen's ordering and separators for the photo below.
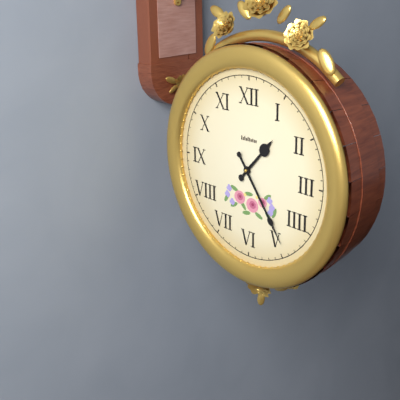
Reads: 1 h 24 min
